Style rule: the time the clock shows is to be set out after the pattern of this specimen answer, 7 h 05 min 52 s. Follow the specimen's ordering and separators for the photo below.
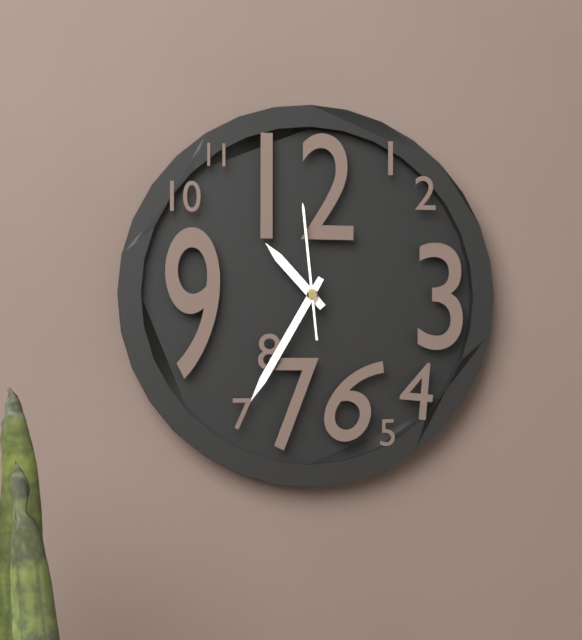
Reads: 10 h 35 min 59 s
